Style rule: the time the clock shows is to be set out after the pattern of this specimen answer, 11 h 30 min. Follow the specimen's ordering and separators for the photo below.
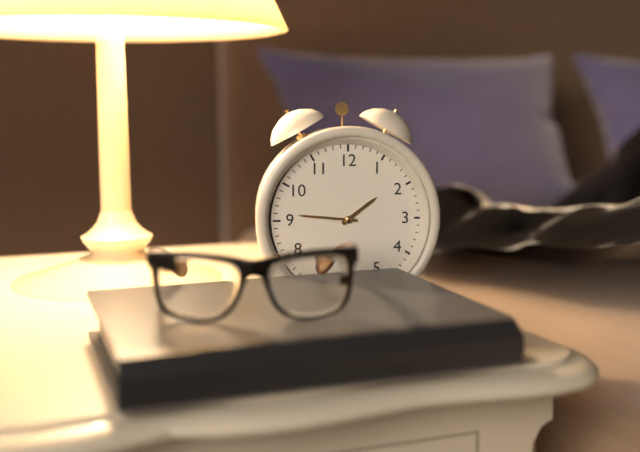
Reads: 1 h 46 min
